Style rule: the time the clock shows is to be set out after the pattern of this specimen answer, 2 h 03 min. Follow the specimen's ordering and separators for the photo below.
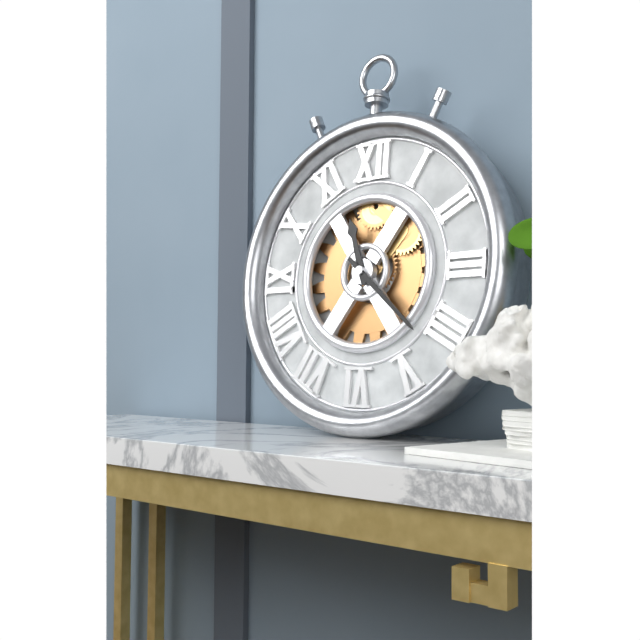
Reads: 11 h 22 min
